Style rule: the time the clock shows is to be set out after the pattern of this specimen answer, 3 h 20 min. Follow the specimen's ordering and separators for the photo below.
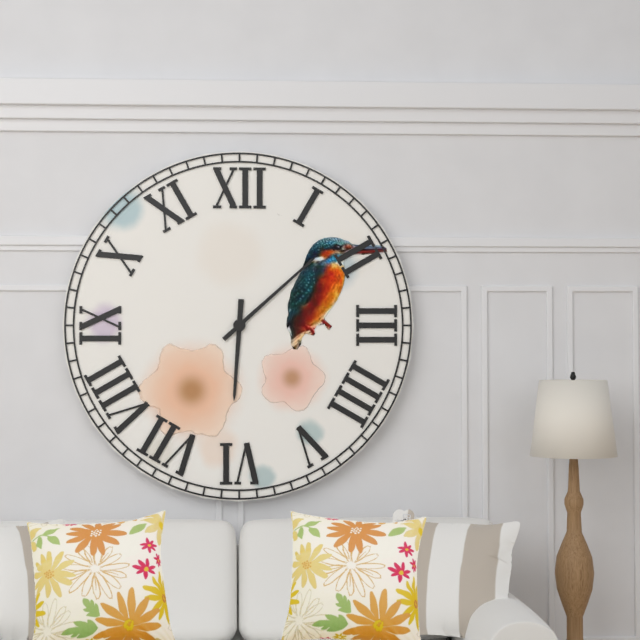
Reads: 6 h 08 min
